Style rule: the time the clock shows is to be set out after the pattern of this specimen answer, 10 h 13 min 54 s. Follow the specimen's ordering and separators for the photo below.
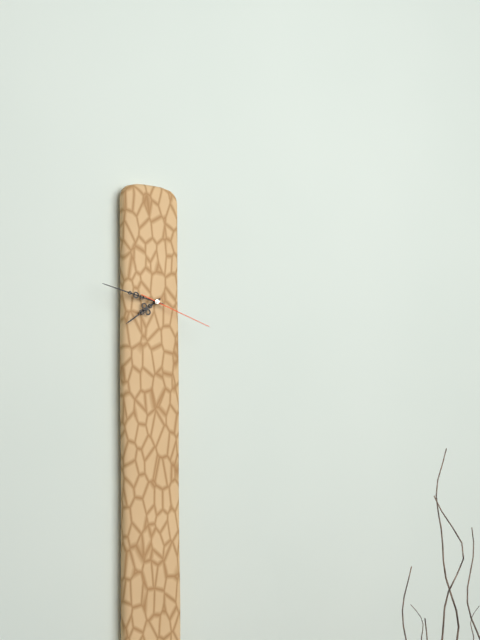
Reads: 7 h 47 min 18 s
